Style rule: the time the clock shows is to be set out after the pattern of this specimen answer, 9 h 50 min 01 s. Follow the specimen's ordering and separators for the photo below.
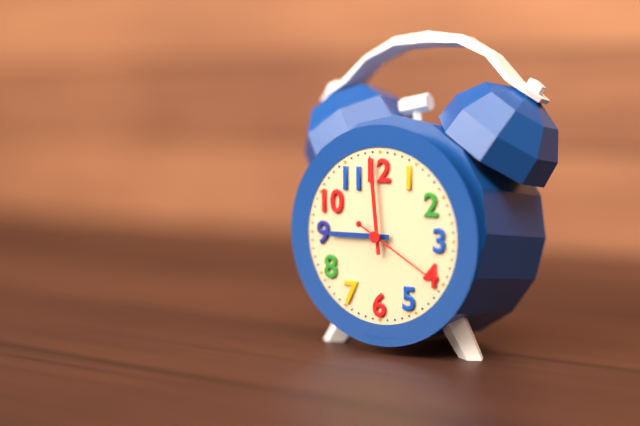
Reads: 8 h 59 min 20 s
